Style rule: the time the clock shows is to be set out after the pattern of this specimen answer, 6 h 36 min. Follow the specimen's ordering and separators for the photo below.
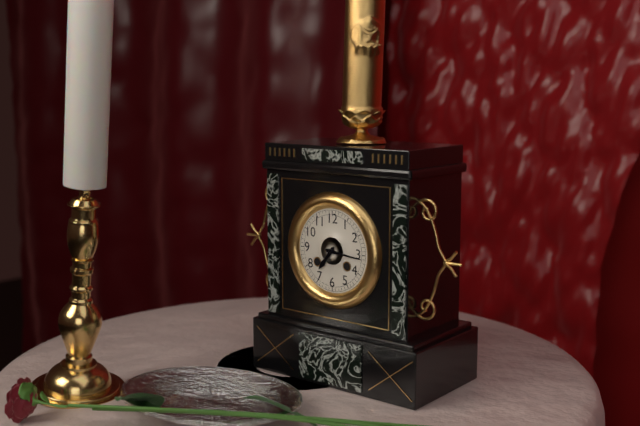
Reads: 7 h 16 min
